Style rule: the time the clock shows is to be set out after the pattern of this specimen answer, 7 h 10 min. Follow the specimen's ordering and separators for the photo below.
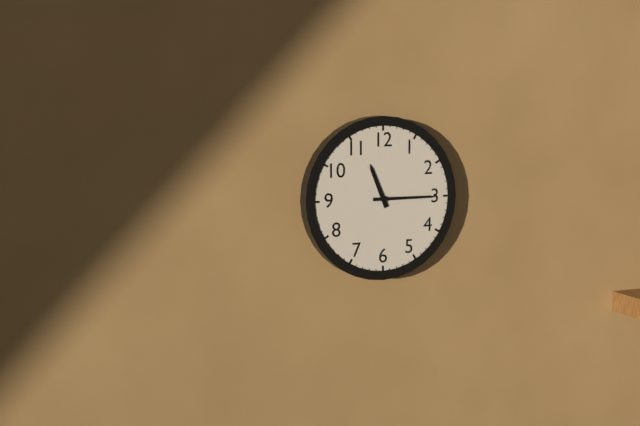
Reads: 11 h 15 min
